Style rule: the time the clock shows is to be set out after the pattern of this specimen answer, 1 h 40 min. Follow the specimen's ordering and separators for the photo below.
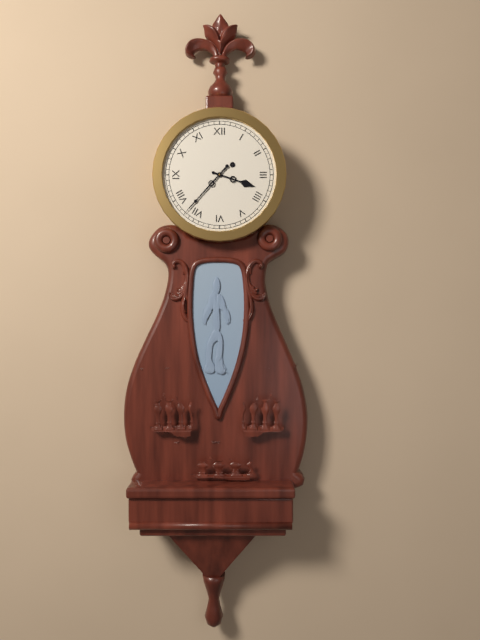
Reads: 3 h 37 min
